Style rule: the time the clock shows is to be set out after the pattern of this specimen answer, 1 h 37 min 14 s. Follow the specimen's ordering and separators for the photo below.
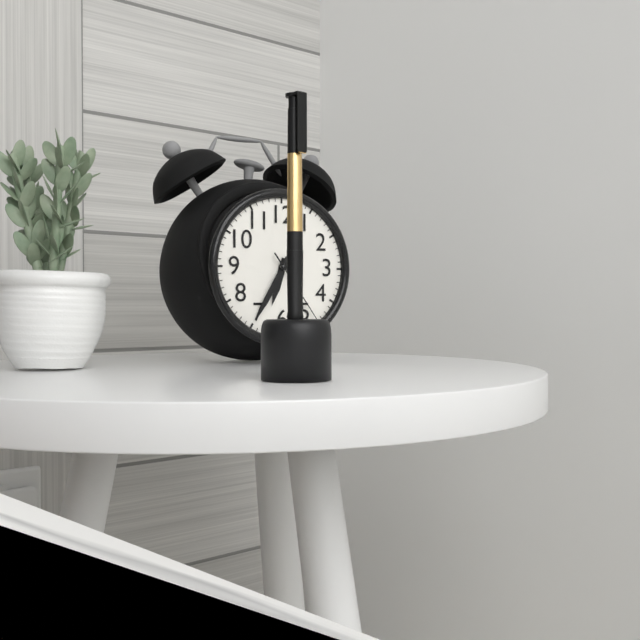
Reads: 6 h 35 min 24 s
